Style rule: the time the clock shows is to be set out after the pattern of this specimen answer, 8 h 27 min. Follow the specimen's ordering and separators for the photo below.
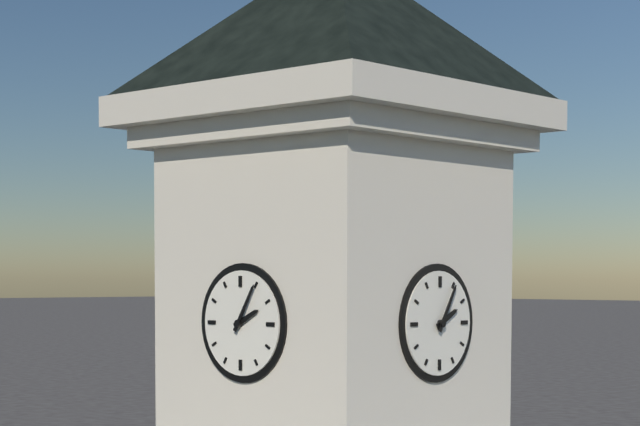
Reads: 2 h 05 min
